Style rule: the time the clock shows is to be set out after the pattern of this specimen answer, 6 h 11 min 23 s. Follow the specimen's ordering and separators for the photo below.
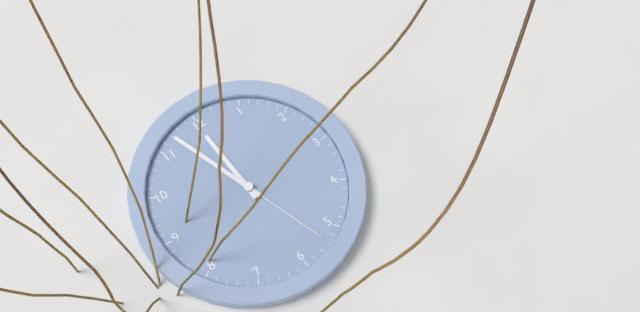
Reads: 11 h 57 min 27 s
